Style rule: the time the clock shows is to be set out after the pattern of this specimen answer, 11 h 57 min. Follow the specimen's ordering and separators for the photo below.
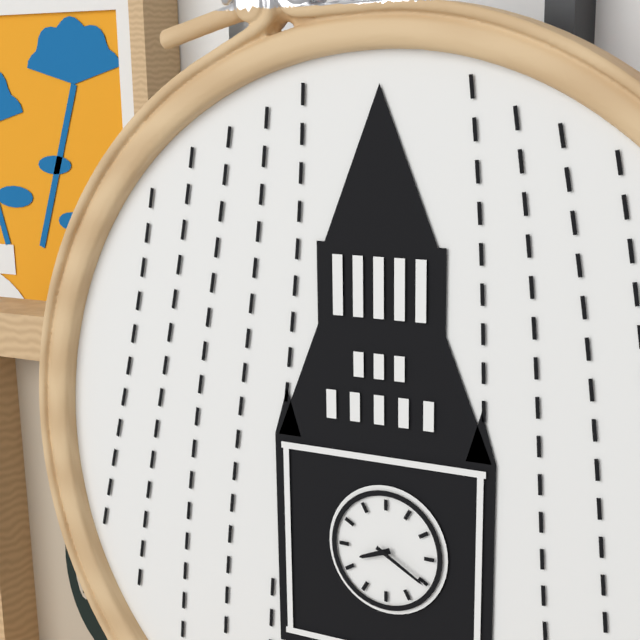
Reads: 8 h 20 min
